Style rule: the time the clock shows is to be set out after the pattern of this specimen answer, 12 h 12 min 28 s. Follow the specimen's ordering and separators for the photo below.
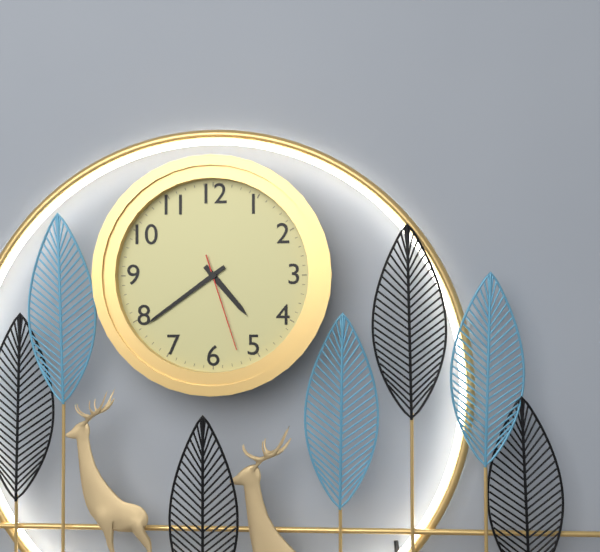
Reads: 4 h 39 min 27 s
